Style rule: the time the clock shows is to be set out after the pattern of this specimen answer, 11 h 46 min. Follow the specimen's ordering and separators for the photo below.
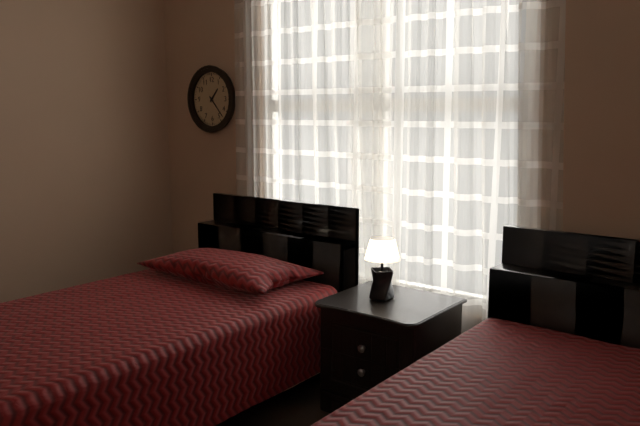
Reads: 1 h 23 min
